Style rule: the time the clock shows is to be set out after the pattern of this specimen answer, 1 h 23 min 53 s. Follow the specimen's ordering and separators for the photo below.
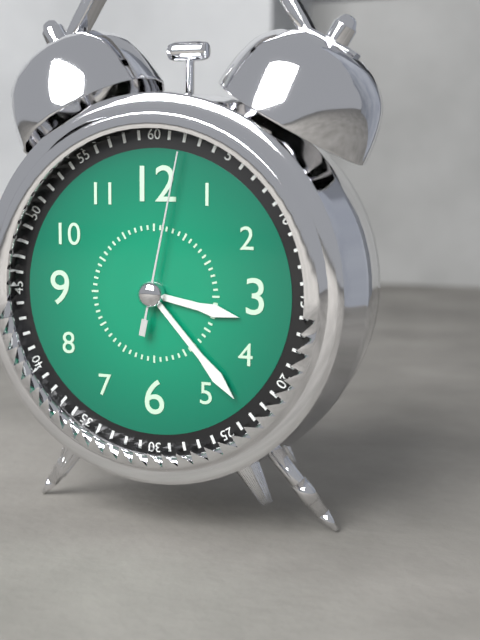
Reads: 3 h 23 min 02 s
